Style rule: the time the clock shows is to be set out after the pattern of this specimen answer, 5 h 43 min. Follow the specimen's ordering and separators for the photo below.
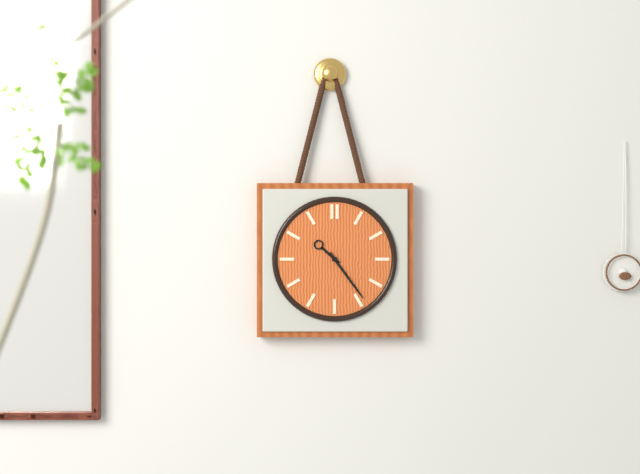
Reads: 10 h 24 min
